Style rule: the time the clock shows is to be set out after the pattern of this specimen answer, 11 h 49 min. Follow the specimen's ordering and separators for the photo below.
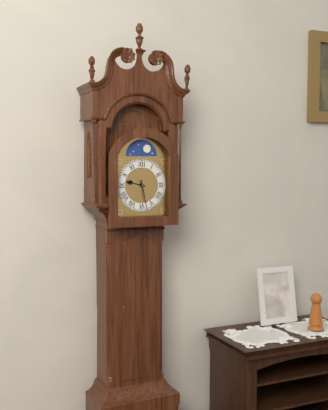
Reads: 9 h 28 min
